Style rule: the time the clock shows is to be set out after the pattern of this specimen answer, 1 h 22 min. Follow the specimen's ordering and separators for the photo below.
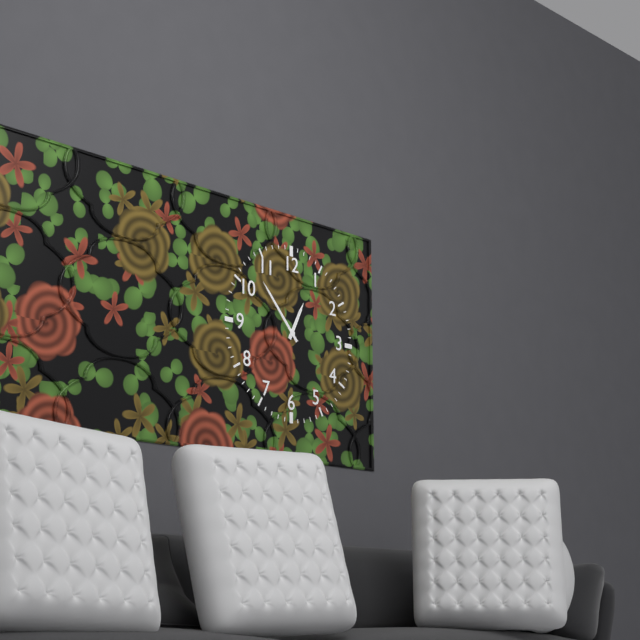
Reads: 12 h 53 min
